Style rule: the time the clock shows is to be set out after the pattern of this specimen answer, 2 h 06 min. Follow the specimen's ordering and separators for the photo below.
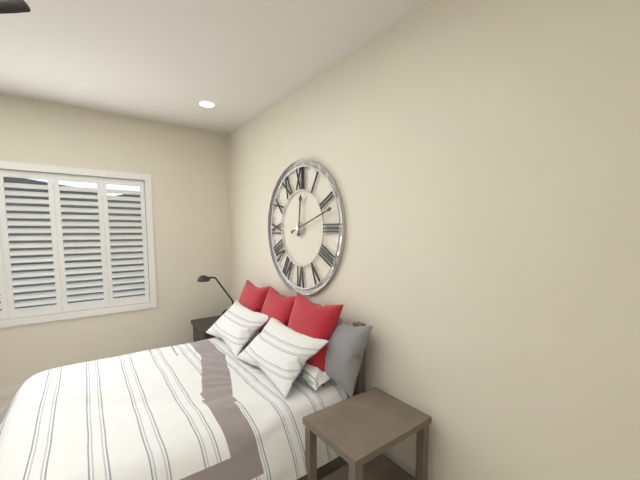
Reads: 12 h 12 min
